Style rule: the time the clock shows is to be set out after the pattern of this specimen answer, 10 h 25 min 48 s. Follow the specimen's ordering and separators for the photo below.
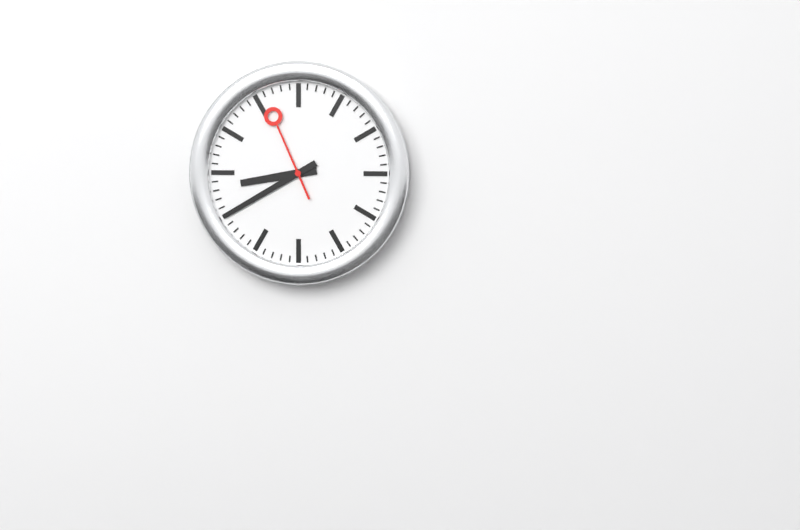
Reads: 8 h 40 min 56 s
